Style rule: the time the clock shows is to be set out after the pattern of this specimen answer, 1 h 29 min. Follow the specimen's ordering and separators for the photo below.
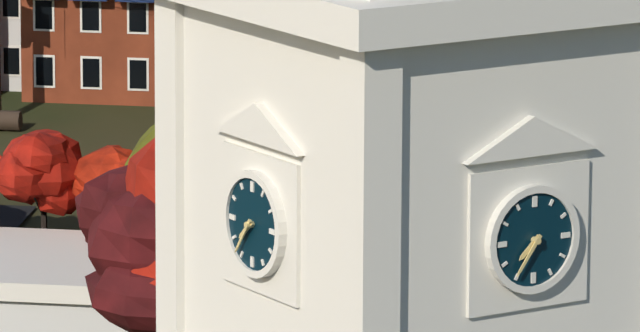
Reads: 7 h 36 min
